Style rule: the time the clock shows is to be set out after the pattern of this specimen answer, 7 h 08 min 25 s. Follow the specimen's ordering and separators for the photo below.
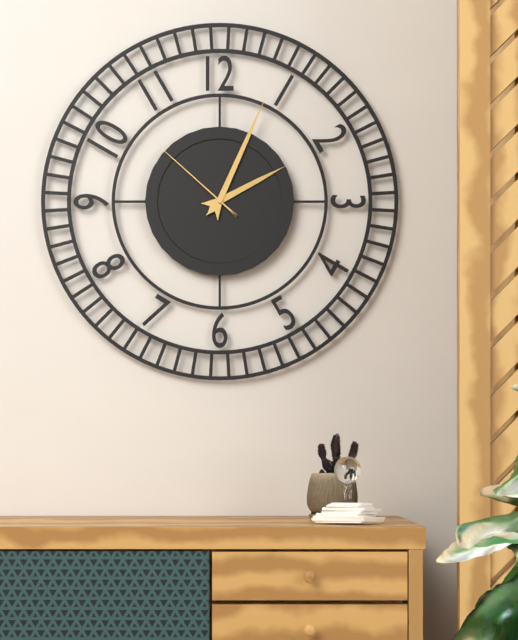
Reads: 2 h 04 min 52 s
